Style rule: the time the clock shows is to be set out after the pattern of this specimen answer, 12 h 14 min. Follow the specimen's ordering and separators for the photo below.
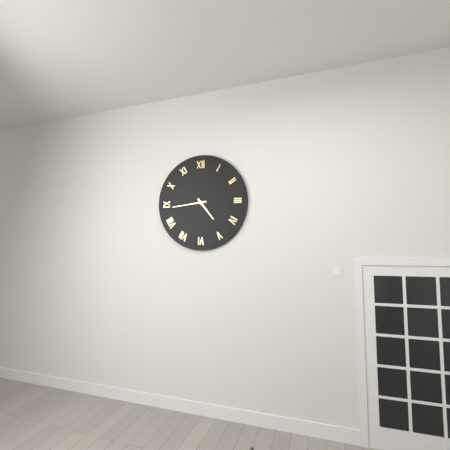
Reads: 4 h 44 min
